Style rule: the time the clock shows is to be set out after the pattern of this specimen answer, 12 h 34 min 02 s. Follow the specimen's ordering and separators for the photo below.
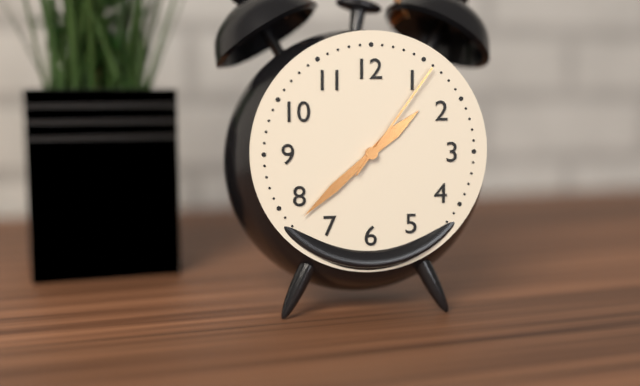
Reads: 1 h 38 min 06 s
